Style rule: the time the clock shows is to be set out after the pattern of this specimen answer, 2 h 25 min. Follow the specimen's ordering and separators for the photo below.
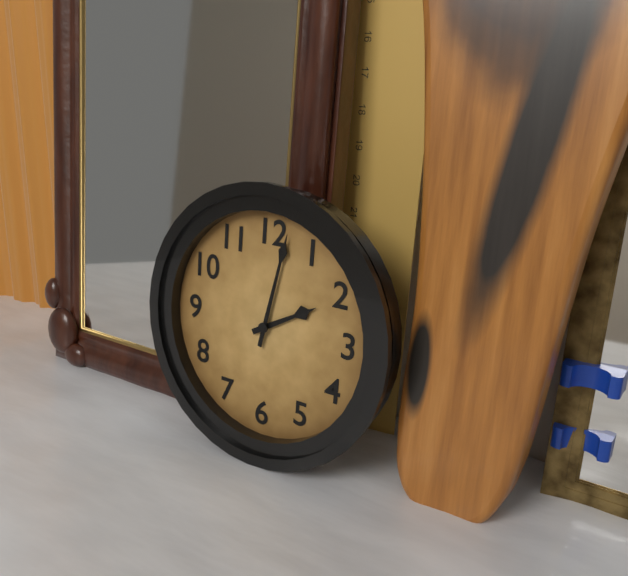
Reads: 2 h 02 min
